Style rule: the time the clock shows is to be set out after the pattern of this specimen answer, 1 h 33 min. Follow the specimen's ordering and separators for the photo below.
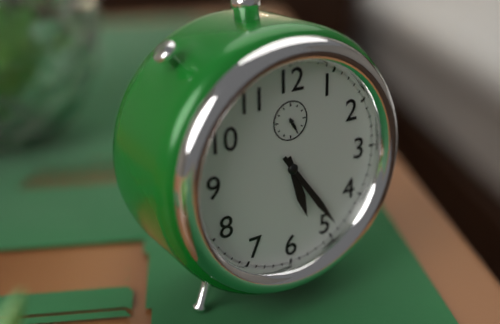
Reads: 5 h 24 min
